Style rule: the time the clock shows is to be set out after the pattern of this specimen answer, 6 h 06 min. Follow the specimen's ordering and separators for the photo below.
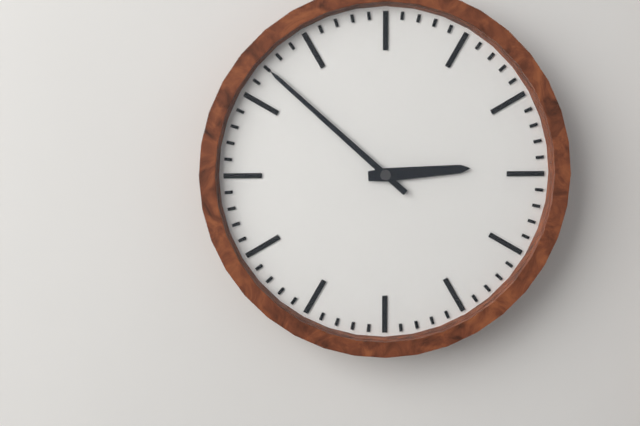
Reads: 2 h 52 min
